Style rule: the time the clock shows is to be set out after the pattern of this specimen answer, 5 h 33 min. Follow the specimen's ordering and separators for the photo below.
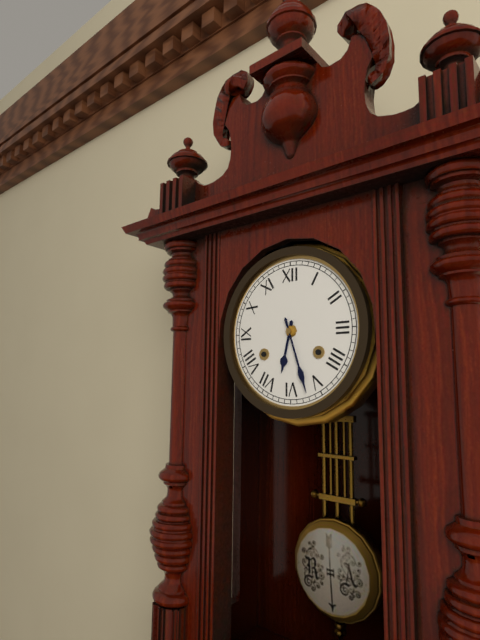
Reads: 6 h 27 min
